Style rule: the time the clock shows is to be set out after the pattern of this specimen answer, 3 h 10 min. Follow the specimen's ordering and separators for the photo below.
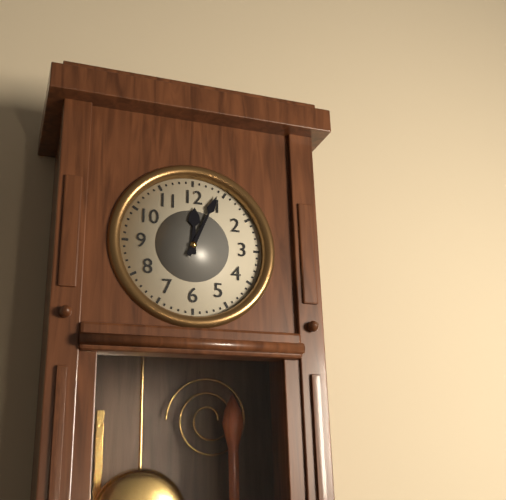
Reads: 12 h 04 min
